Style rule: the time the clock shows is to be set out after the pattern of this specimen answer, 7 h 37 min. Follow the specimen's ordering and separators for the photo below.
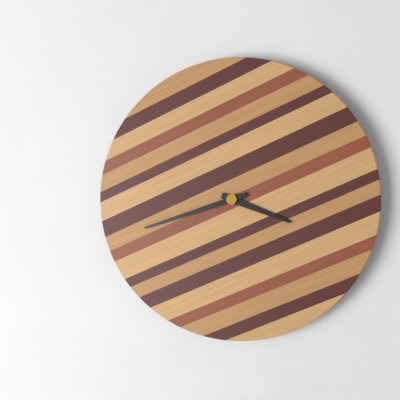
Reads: 3 h 42 min
